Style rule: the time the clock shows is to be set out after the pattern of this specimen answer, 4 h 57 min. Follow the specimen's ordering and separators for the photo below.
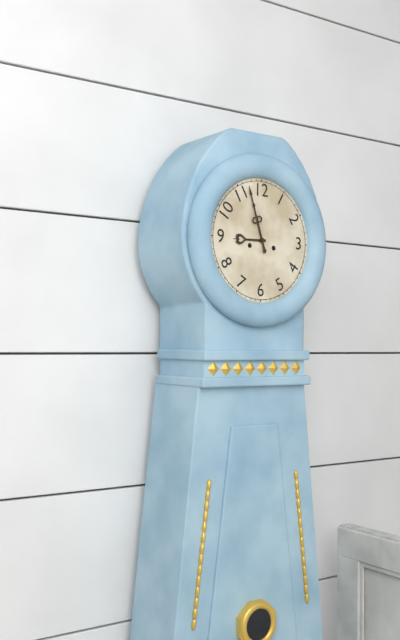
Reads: 8 h 57 min
